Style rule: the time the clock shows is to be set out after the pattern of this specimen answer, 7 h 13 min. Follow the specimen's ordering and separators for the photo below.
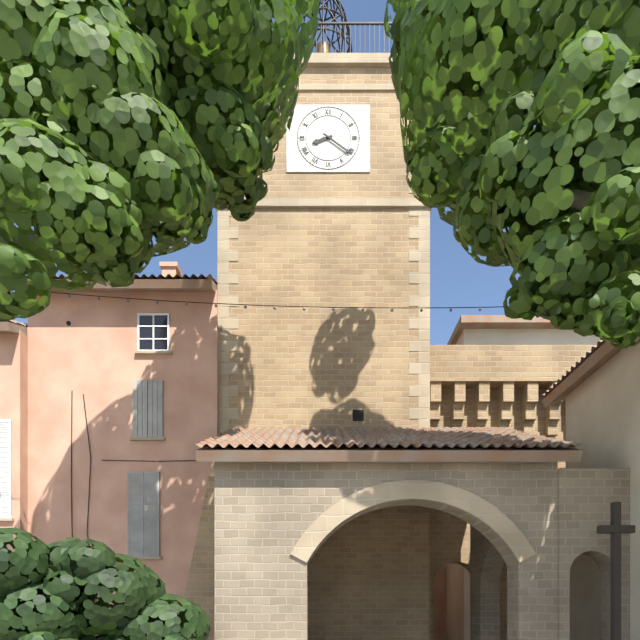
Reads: 8 h 21 min
